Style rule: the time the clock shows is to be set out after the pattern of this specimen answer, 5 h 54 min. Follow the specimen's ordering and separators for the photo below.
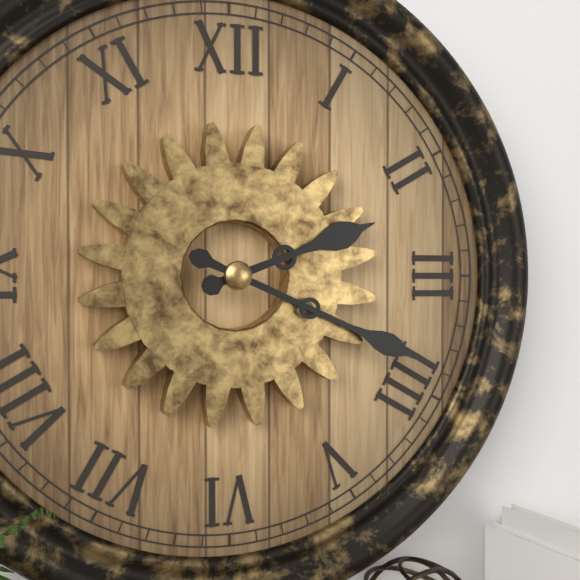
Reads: 2 h 19 min
